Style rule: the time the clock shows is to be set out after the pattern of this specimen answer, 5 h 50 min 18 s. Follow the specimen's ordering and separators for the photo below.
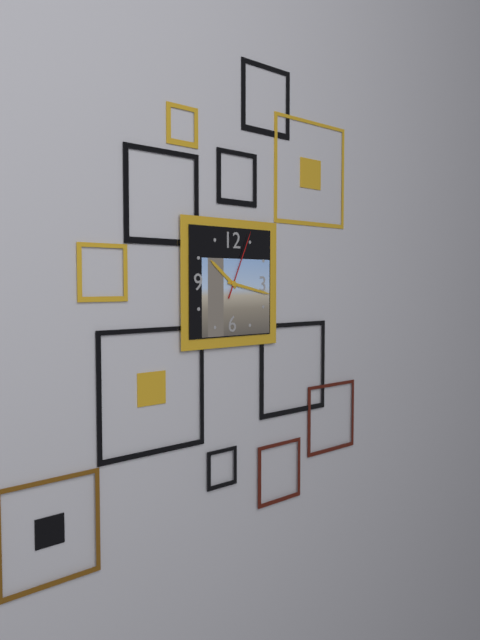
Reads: 10 h 17 min 04 s
